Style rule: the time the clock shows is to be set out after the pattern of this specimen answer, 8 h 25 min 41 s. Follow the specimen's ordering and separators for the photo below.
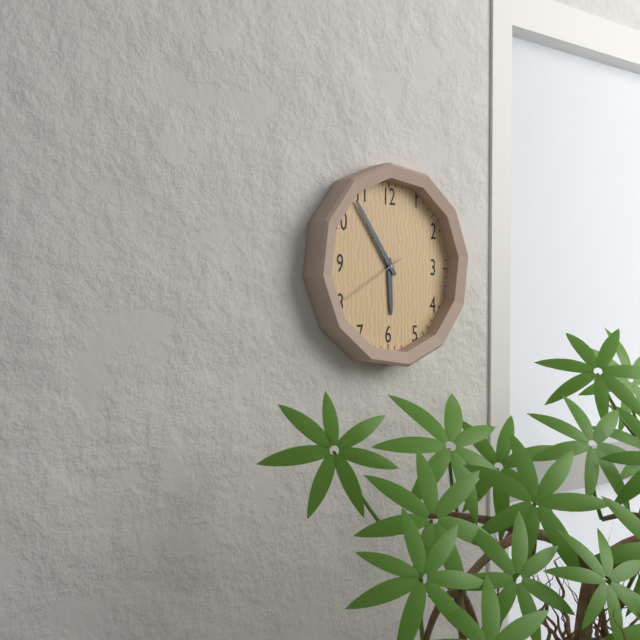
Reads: 5 h 54 min 40 s
